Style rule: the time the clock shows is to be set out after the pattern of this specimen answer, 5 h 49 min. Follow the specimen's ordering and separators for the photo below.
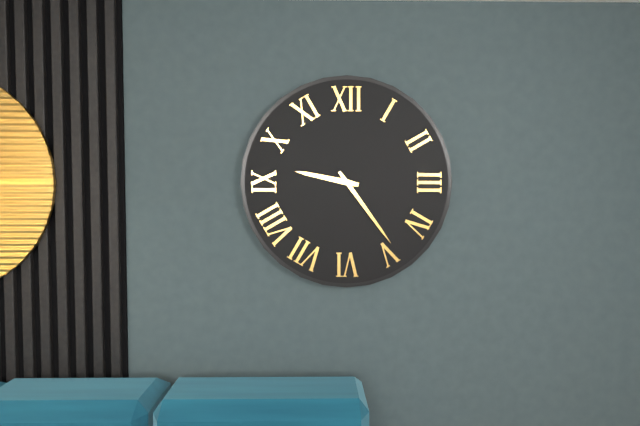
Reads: 9 h 24 min
